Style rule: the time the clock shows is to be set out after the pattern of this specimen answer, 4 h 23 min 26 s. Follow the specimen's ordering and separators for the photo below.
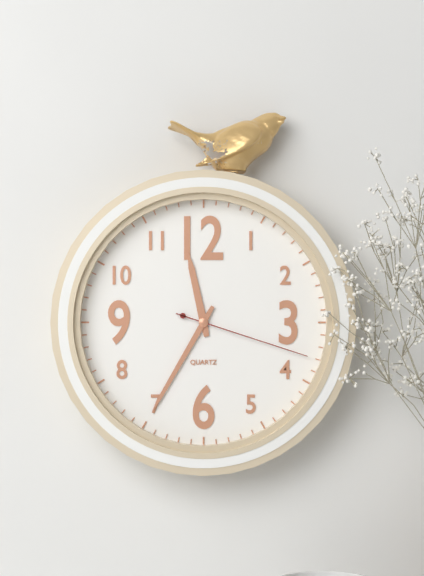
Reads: 11 h 35 min 18 s
